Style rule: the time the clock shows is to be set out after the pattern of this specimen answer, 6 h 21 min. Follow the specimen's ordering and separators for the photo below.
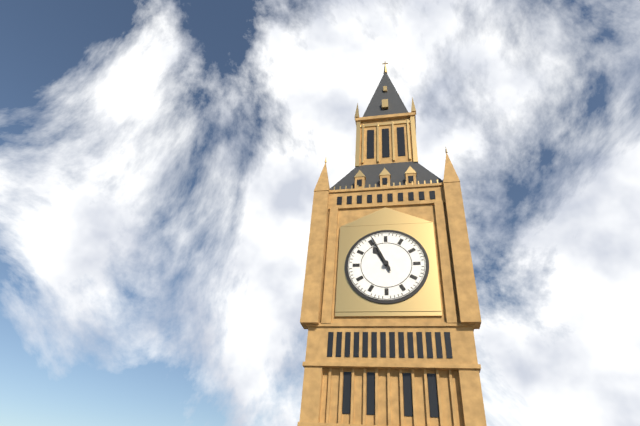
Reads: 10 h 56 min
